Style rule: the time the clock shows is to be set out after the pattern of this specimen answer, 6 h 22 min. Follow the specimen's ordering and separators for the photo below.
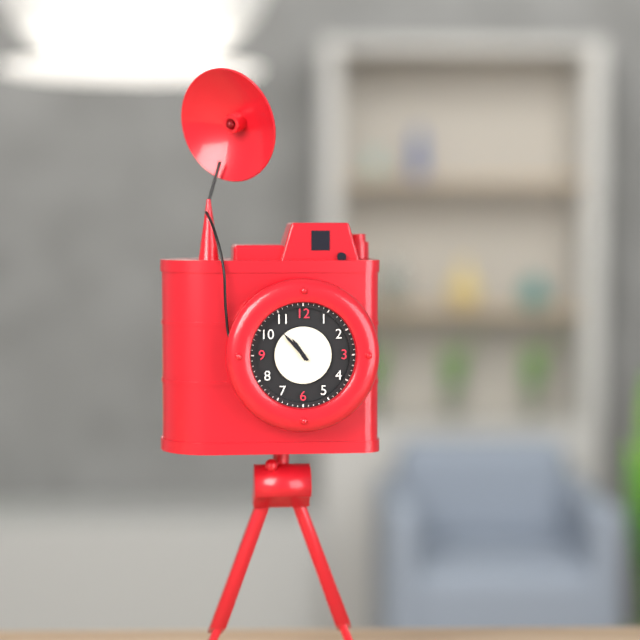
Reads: 10 h 53 min
